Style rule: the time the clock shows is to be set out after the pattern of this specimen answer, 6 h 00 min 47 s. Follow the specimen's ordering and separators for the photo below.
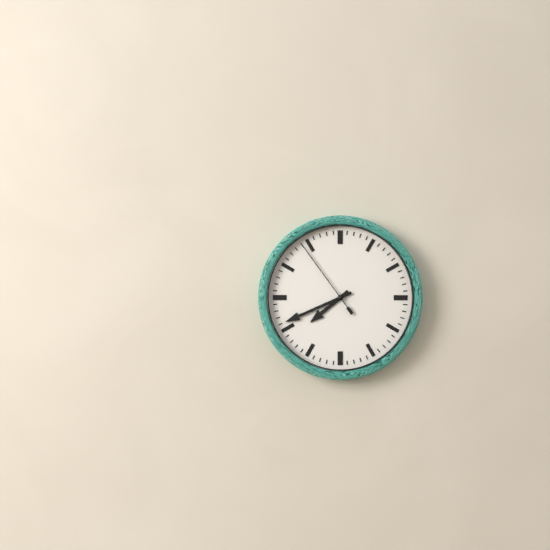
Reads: 7 h 41 min 54 s
